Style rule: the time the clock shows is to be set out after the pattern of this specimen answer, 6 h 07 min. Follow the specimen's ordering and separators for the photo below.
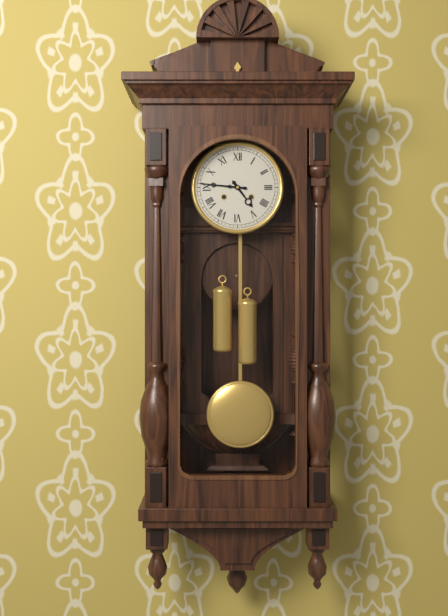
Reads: 4 h 46 min
